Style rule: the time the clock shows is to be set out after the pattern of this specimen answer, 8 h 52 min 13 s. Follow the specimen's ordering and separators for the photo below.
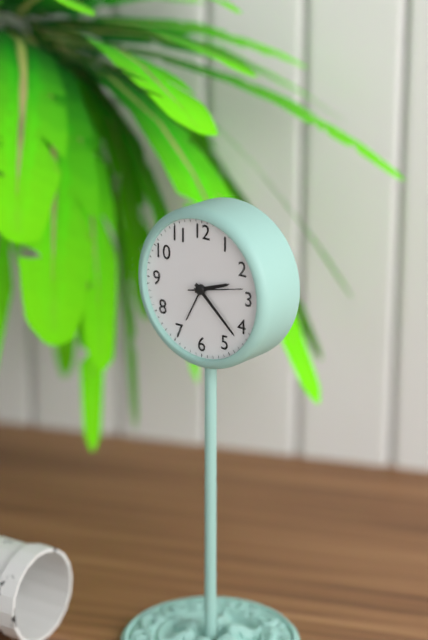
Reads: 2 h 22 min 13 s
